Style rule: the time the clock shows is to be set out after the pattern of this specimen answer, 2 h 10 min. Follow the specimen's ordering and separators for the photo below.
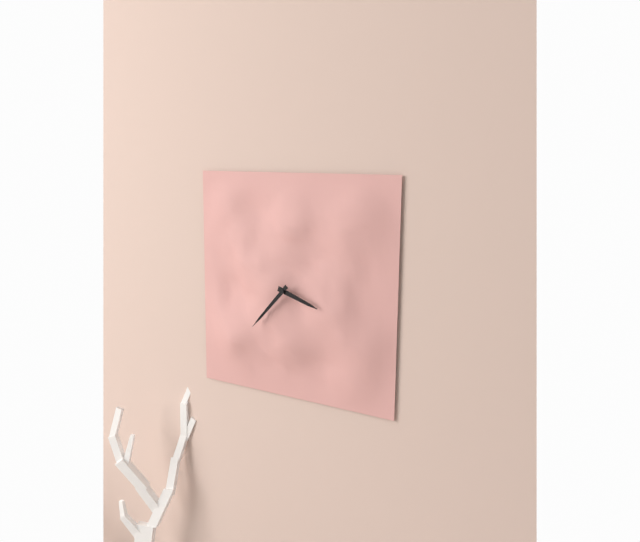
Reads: 3 h 37 min
